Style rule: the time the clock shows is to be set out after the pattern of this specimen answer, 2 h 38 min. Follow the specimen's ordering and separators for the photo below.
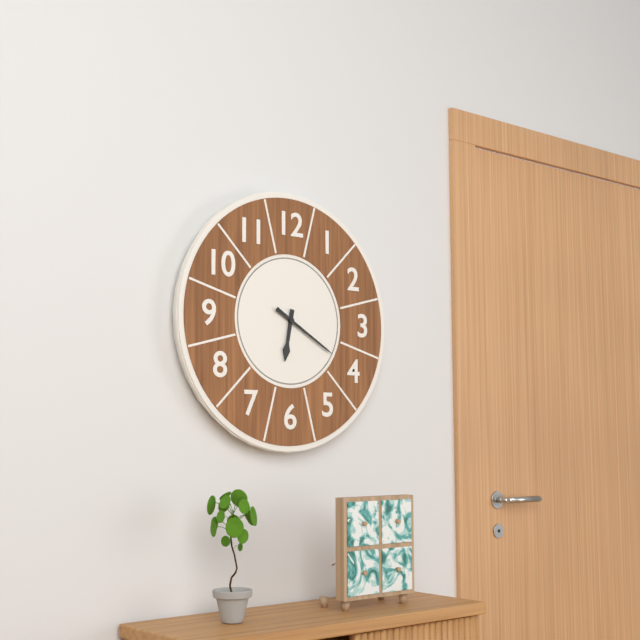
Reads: 6 h 20 min
